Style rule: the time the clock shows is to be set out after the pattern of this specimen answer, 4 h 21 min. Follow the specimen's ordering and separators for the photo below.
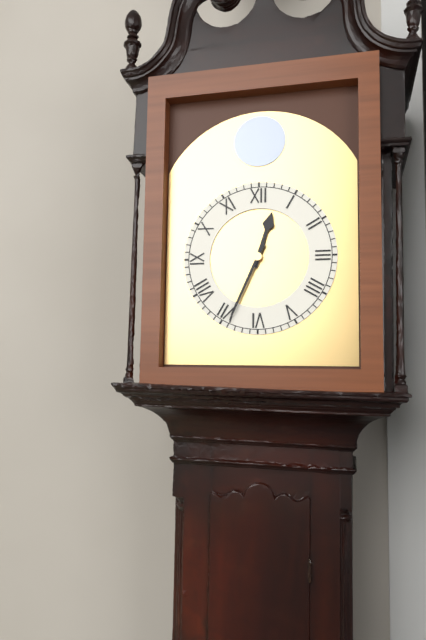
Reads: 12 h 34 min
